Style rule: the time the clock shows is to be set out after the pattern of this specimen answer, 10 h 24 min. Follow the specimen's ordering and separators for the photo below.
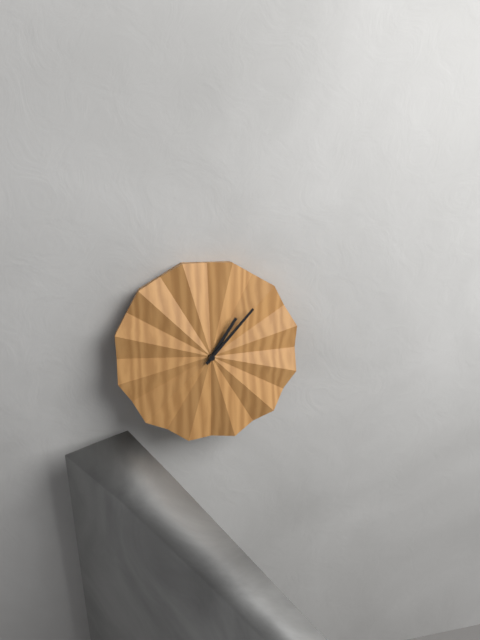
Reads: 1 h 07 min
